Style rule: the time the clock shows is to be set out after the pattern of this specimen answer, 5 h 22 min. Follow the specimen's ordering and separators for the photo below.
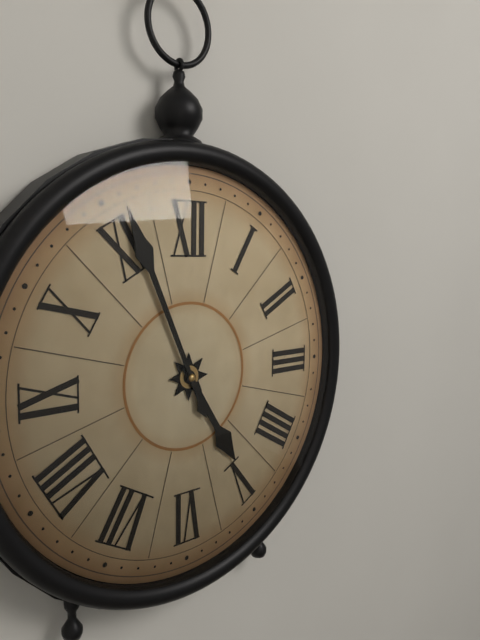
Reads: 4 h 56 min
